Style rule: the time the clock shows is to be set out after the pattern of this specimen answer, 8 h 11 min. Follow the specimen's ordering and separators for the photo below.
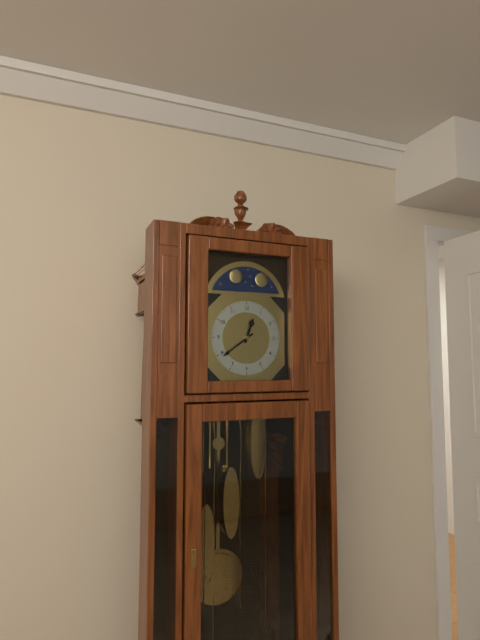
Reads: 12 h 39 min
